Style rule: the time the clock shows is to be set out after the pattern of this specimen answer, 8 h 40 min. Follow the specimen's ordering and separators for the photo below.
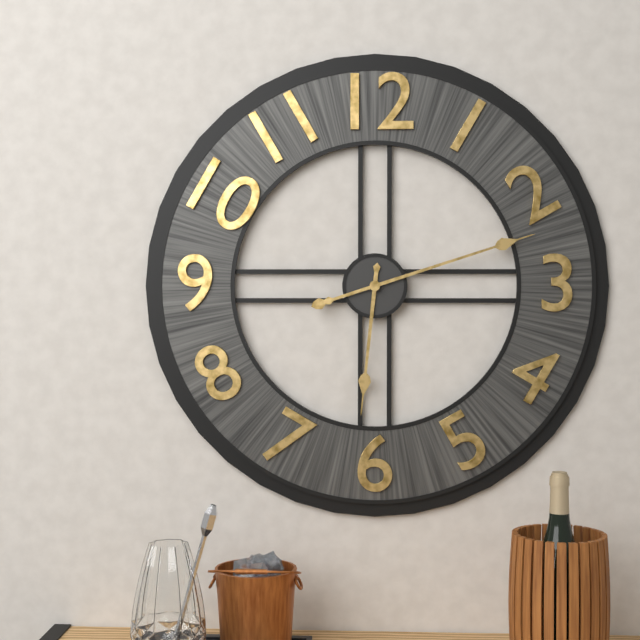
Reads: 6 h 12 min
